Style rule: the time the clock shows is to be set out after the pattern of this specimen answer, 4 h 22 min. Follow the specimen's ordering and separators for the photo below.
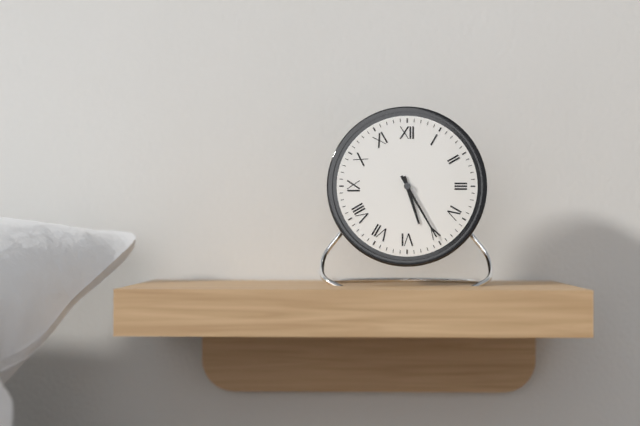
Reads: 5 h 25 min
